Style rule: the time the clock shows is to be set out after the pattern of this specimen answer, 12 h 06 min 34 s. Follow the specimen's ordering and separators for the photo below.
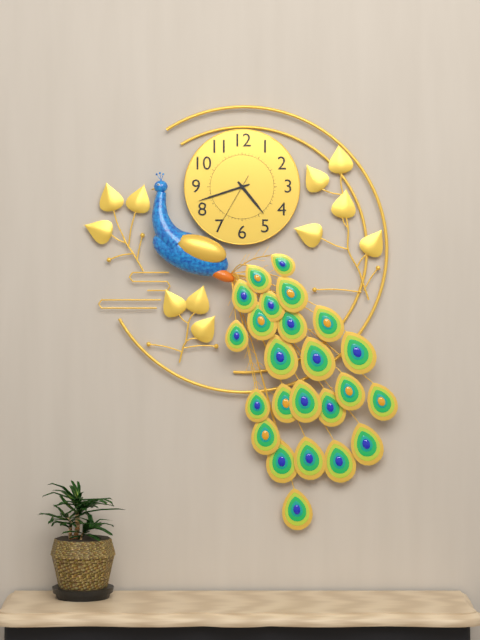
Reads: 4 h 42 min 35 s
